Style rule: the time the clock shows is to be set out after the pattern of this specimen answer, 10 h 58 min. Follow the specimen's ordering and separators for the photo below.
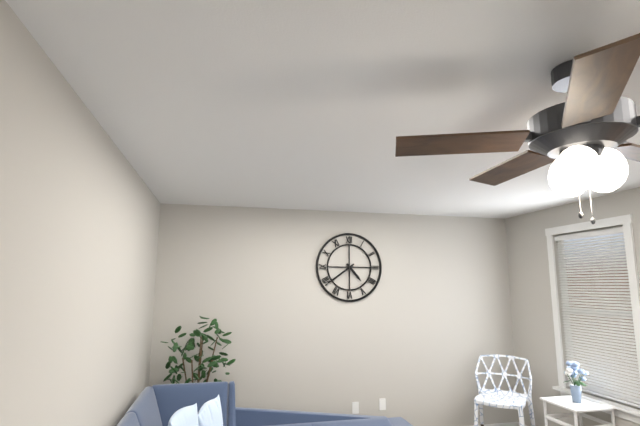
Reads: 4 h 39 min
